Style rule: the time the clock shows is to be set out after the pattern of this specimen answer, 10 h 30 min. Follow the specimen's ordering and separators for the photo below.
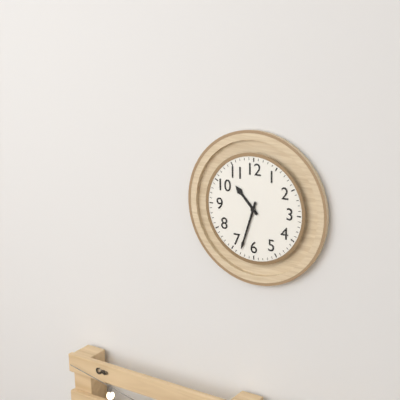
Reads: 10 h 33 min
